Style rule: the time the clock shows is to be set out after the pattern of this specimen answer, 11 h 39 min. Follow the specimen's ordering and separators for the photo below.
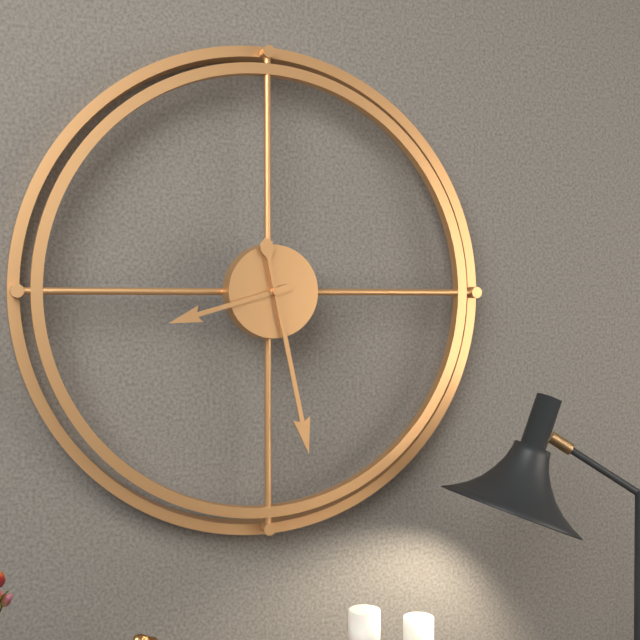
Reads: 8 h 28 min
